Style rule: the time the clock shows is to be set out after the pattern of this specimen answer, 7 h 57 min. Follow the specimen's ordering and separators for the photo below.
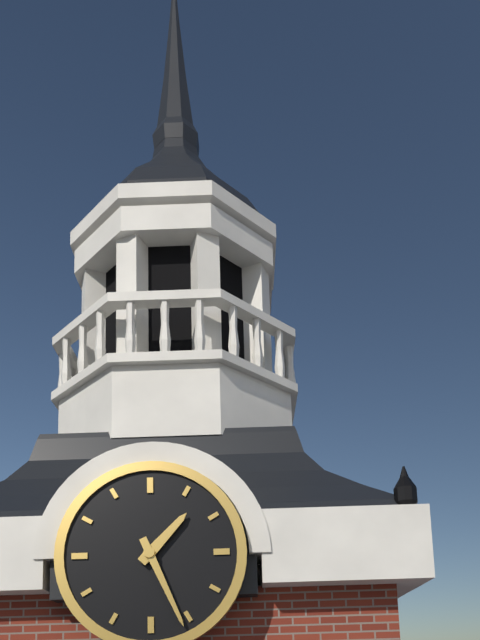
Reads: 1 h 26 min
